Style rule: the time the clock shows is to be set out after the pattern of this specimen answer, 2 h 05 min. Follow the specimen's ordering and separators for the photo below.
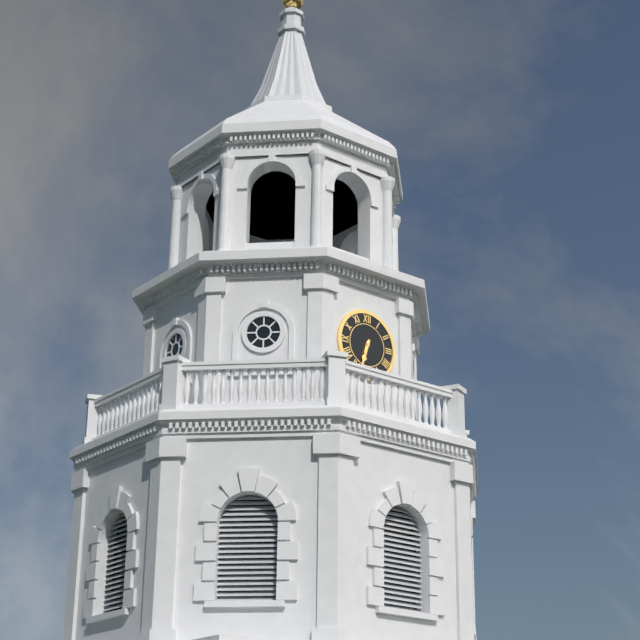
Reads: 6 h 33 min
